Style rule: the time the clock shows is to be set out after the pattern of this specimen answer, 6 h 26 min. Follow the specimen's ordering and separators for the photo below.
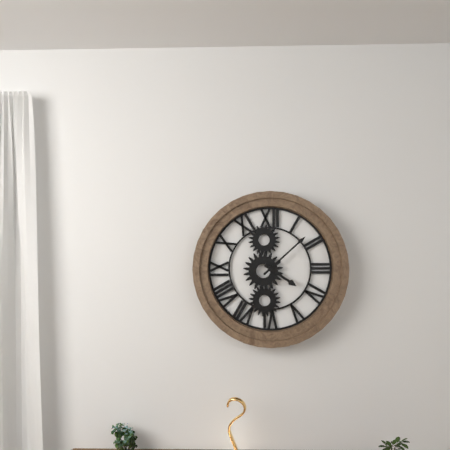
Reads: 4 h 08 min
